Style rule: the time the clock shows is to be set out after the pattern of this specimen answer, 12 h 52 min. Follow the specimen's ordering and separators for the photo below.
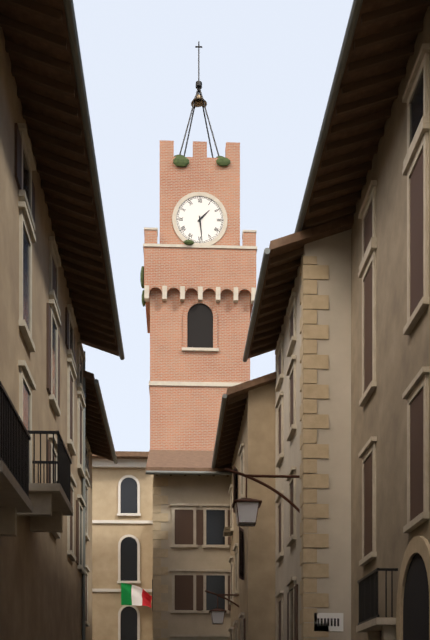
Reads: 1 h 29 min
